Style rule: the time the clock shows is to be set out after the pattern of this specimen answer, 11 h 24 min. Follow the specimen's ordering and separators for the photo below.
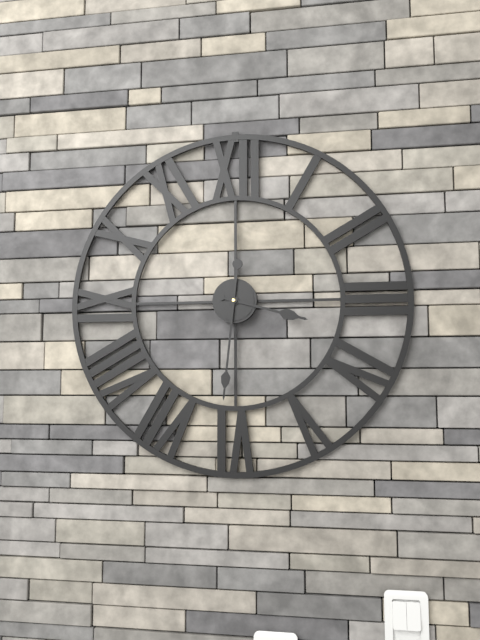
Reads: 3 h 31 min
